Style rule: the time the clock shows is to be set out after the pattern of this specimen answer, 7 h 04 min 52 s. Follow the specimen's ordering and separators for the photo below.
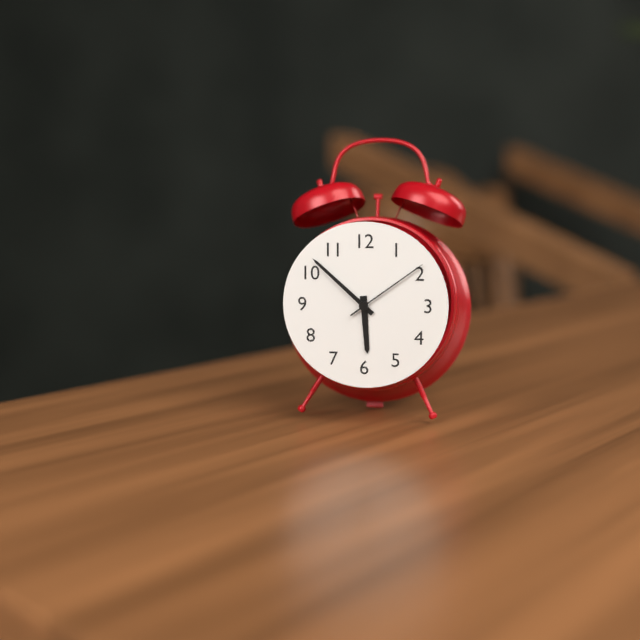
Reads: 5 h 52 min 09 s
